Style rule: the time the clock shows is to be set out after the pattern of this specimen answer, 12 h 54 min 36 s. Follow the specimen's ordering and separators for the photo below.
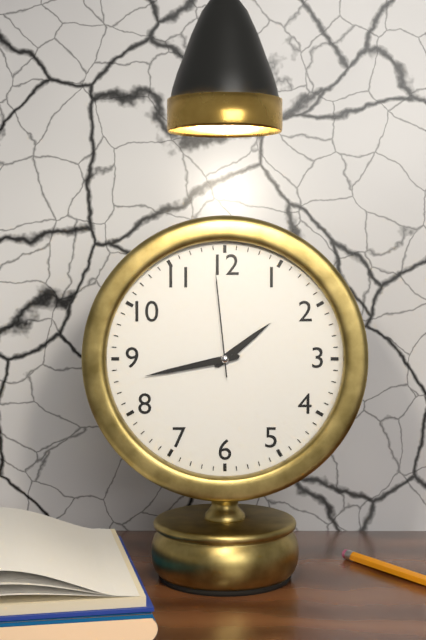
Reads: 1 h 43 min 59 s
